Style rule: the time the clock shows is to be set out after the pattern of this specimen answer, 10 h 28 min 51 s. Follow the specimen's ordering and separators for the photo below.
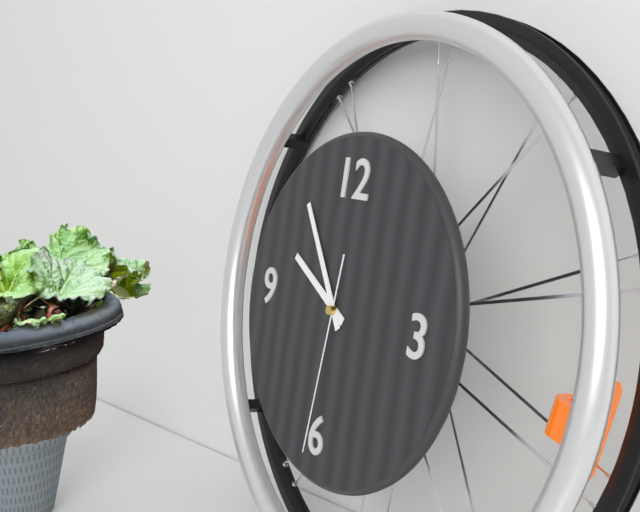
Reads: 9 h 54 min 31 s
